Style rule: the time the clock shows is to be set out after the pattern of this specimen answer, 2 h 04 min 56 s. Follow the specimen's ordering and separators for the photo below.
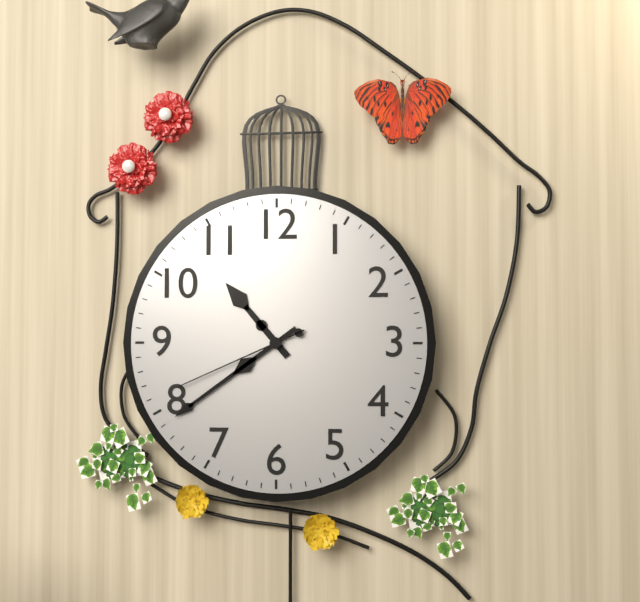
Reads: 10 h 39 min 41 s
